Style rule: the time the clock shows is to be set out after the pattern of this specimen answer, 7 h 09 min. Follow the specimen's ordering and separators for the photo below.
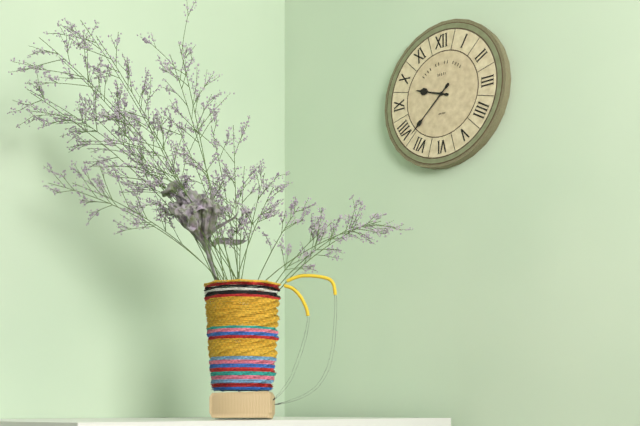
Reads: 9 h 38 min
